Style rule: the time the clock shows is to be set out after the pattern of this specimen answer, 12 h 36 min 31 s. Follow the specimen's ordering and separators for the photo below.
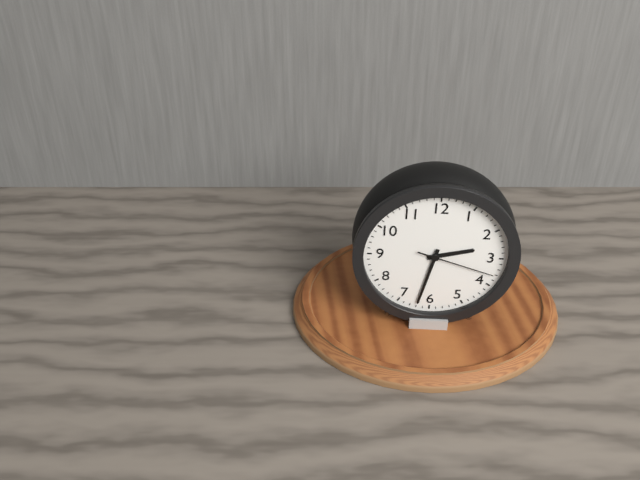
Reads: 2 h 32 min 18 s
